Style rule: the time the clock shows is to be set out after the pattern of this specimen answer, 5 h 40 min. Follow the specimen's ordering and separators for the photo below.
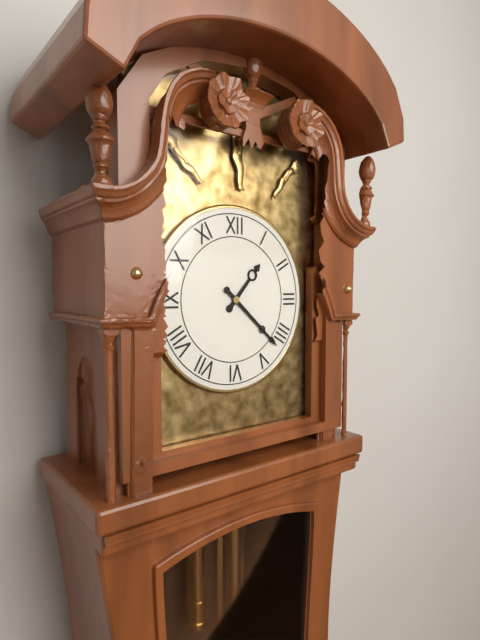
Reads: 1 h 22 min
